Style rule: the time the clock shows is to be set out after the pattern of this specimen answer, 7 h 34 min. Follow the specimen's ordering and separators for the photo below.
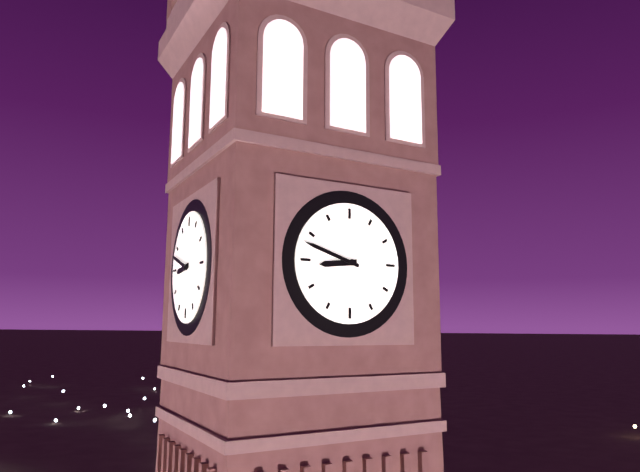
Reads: 8 h 48 min
